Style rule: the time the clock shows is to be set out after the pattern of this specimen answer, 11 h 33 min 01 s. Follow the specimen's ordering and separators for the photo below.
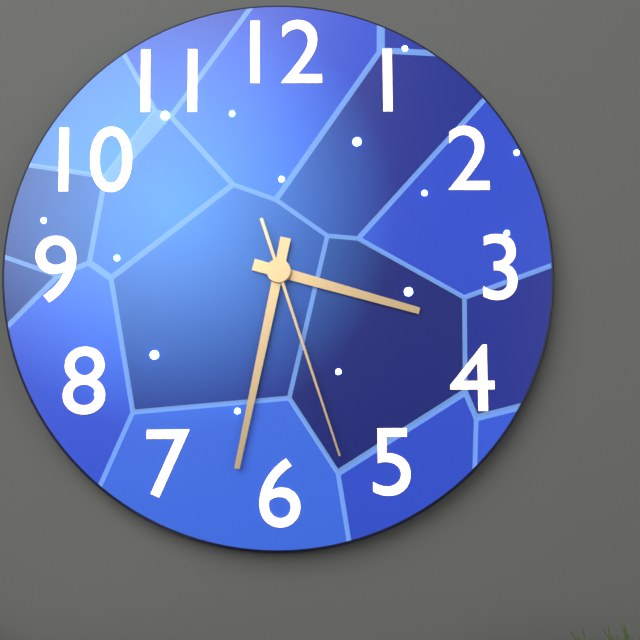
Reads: 3 h 32 min 27 s
